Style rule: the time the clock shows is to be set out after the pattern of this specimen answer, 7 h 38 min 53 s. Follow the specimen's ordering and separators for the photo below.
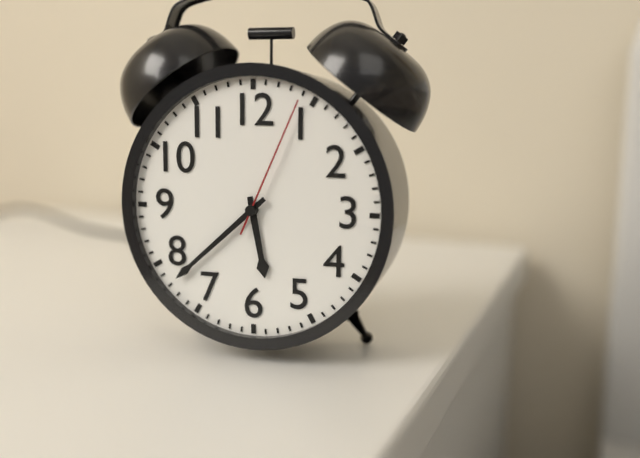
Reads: 5 h 38 min 04 s
